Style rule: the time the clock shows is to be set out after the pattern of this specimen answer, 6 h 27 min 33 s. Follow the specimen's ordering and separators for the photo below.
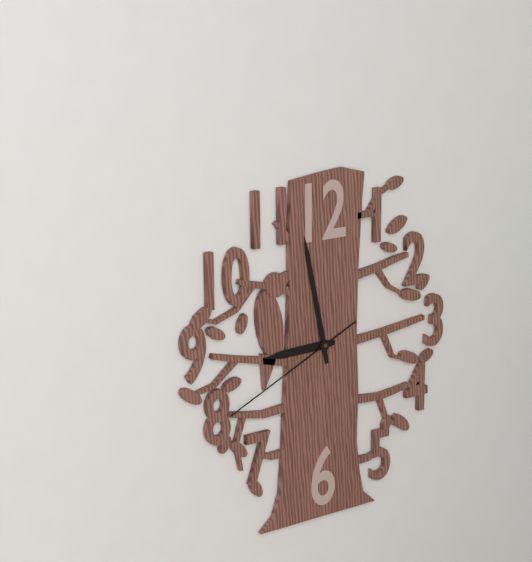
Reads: 8 h 58 min 41 s
